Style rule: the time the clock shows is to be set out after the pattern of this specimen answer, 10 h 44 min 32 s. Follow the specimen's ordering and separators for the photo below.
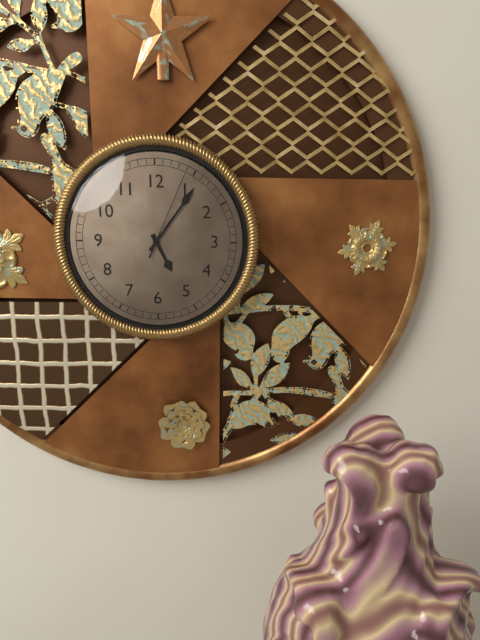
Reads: 5 h 06 min 04 s
